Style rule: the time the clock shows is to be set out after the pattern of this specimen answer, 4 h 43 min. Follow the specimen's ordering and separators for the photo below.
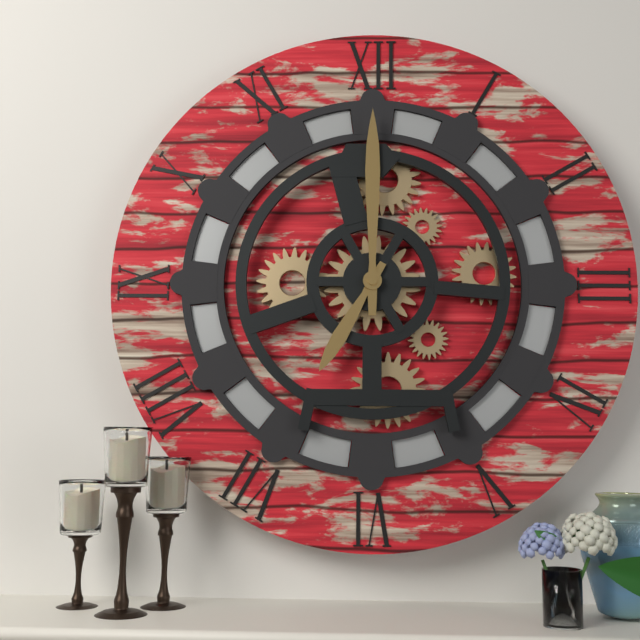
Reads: 7 h 00 min
